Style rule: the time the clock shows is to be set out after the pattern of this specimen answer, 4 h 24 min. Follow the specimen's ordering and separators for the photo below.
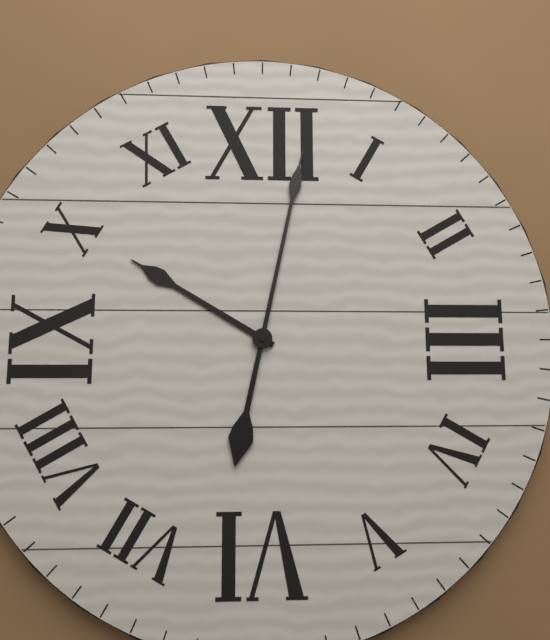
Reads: 10 h 02 min
